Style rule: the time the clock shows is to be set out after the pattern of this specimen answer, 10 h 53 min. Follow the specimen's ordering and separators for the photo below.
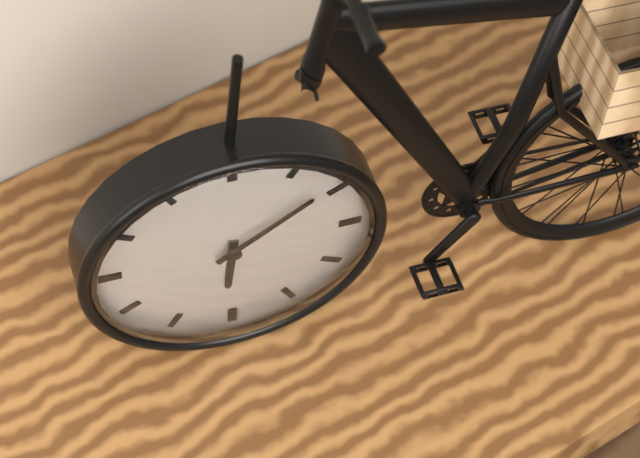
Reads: 6 h 09 min
